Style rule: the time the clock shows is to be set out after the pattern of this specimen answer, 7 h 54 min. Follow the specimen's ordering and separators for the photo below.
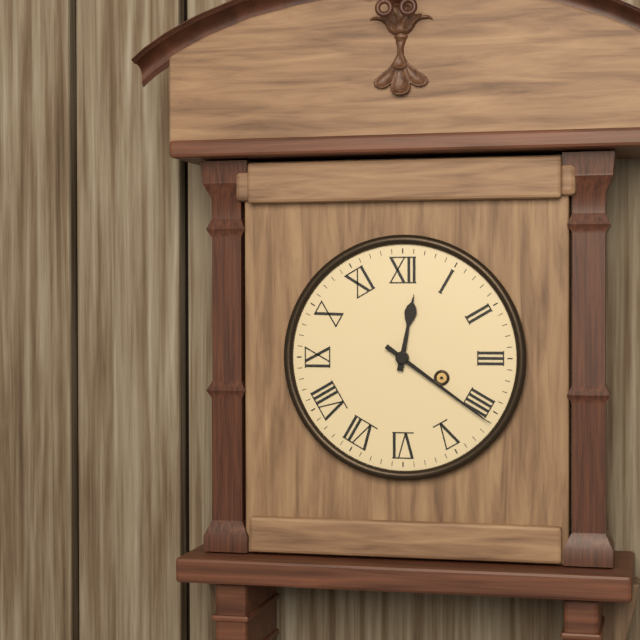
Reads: 12 h 21 min
